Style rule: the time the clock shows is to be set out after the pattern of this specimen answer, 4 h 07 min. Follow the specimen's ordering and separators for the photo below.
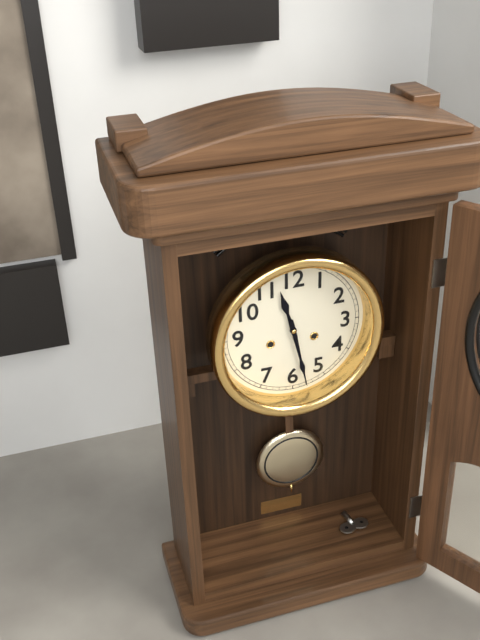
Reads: 11 h 28 min
